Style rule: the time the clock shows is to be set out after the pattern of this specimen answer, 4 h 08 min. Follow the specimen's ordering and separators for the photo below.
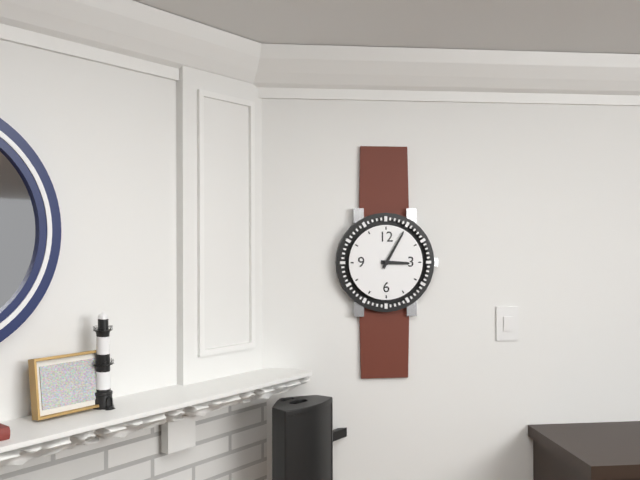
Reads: 3 h 05 min
